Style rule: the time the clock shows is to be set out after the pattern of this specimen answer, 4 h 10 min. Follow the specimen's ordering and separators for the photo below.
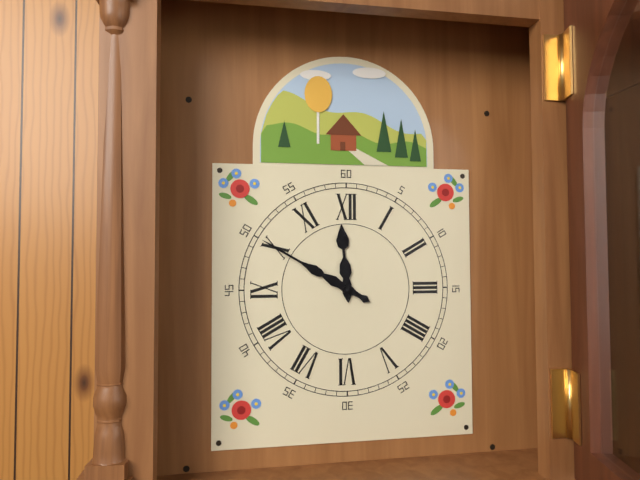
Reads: 11 h 50 min
